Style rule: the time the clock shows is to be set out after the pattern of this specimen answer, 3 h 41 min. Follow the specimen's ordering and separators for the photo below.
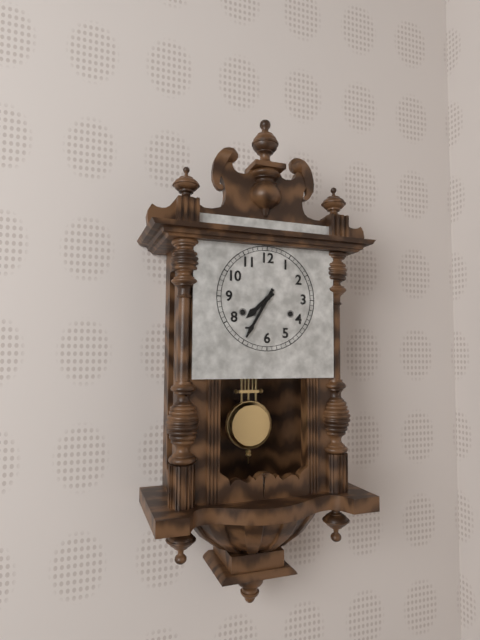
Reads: 7 h 35 min
